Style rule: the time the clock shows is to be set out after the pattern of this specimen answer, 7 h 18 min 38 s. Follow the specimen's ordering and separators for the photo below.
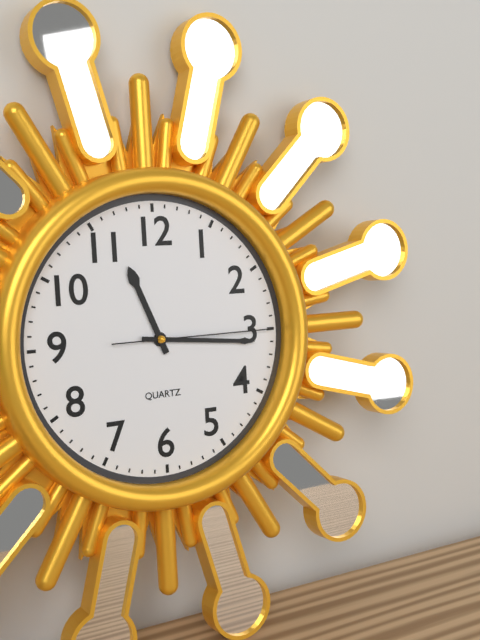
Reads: 11 h 16 min 15 s
